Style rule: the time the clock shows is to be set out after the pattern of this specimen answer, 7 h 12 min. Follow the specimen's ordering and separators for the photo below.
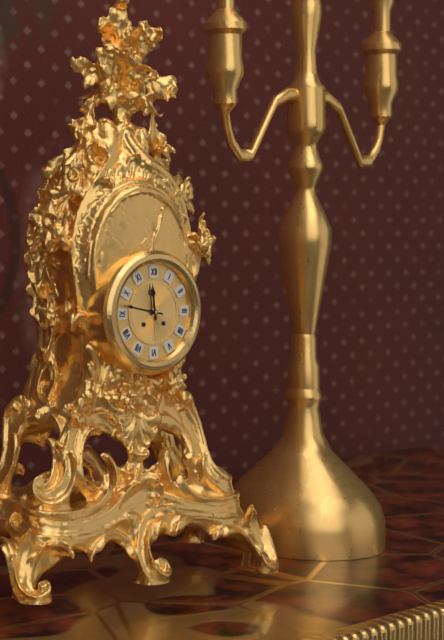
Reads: 11 h 47 min
